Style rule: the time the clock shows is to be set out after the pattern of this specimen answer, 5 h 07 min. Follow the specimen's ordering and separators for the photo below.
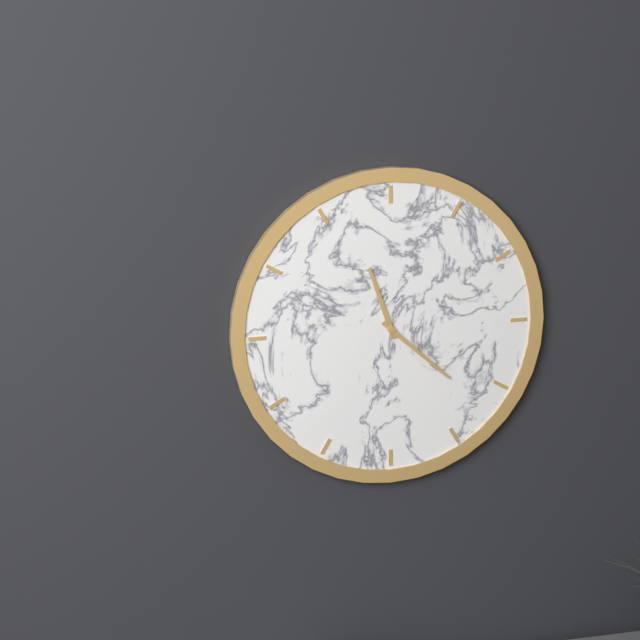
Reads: 11 h 22 min
